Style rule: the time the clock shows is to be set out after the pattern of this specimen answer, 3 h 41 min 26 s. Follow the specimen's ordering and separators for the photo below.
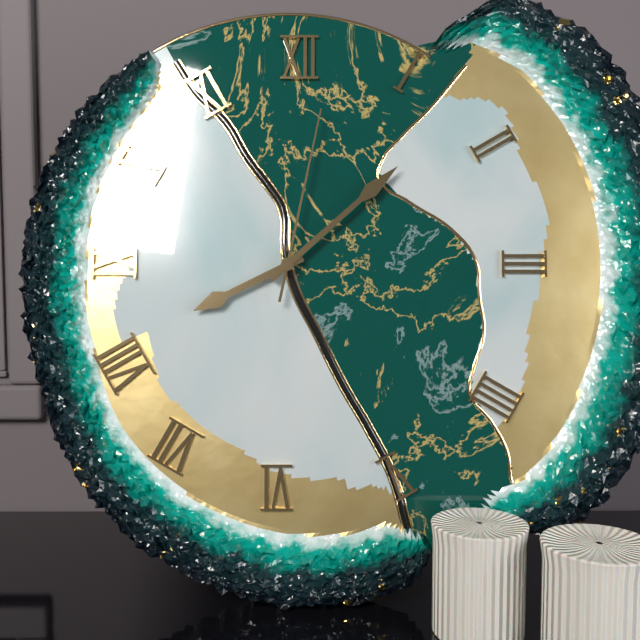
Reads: 8 h 08 min 02 s
